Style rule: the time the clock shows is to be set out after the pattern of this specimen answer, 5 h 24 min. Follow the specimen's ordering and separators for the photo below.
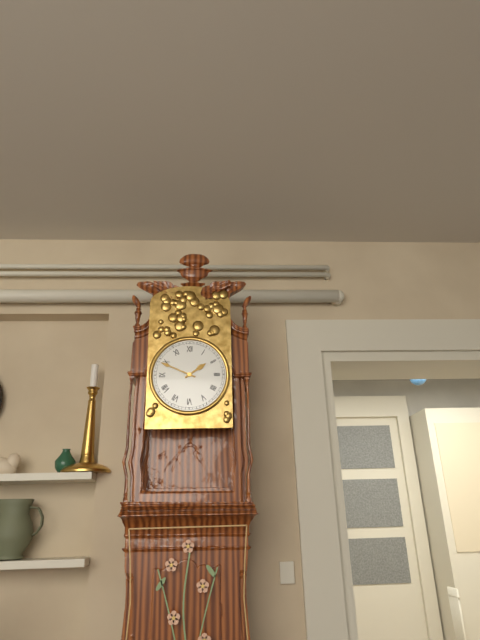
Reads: 1 h 49 min
